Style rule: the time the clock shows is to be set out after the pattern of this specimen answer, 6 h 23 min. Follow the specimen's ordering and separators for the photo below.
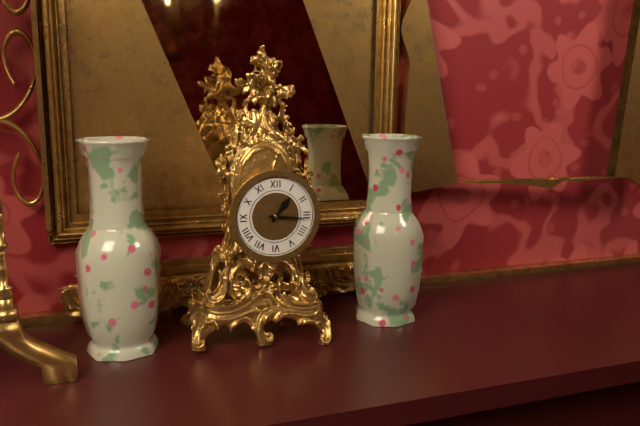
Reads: 1 h 16 min
